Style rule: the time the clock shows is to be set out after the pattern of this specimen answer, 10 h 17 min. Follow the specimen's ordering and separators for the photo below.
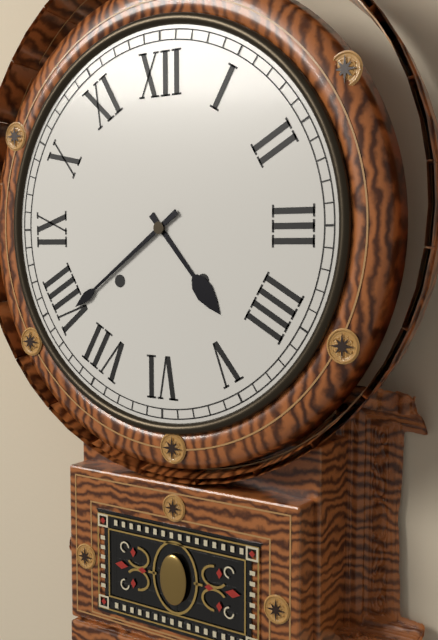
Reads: 4 h 39 min
